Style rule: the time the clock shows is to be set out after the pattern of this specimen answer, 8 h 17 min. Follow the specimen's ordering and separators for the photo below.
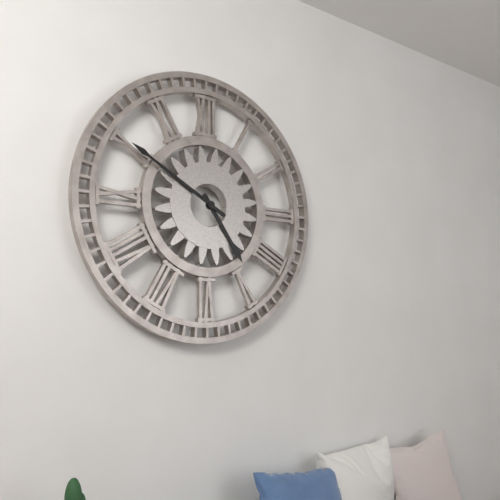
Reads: 4 h 50 min
